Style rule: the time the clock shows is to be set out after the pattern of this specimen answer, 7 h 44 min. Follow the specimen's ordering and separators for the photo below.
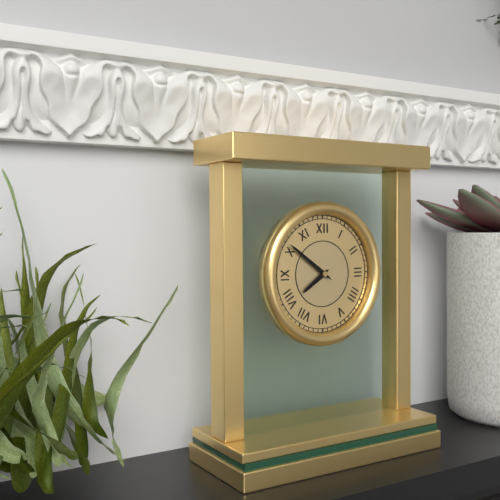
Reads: 7 h 51 min
